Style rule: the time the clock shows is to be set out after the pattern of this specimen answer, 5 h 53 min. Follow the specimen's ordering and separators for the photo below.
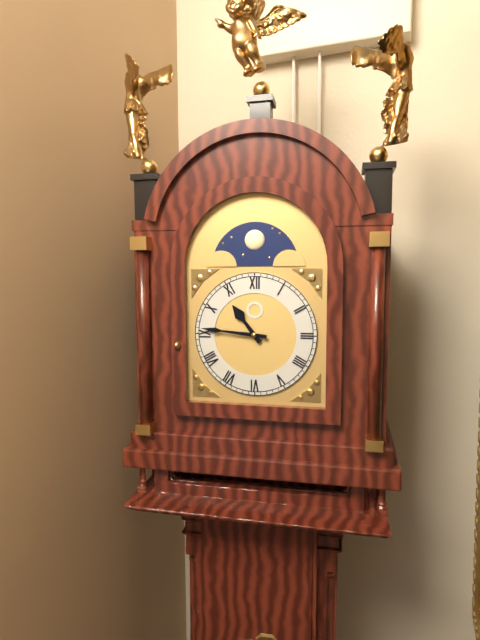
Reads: 10 h 46 min
